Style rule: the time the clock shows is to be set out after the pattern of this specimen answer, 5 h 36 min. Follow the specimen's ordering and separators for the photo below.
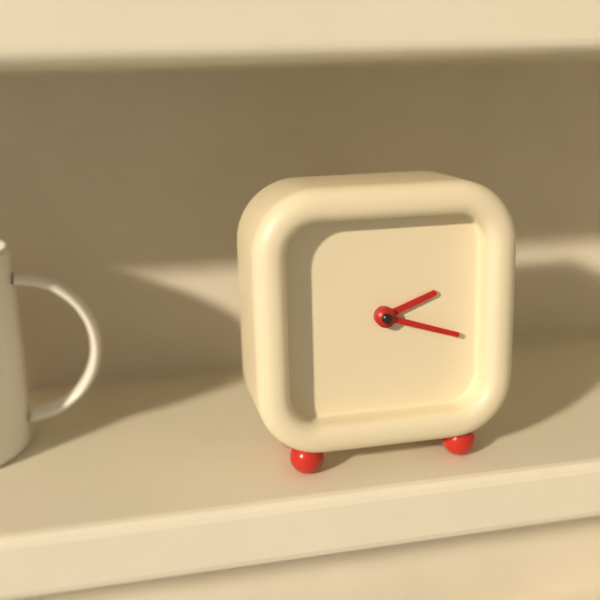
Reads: 2 h 18 min
